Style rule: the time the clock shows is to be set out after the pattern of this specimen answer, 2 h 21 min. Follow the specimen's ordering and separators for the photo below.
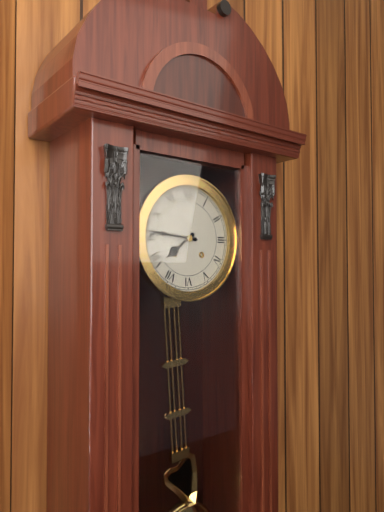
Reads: 7 h 46 min
